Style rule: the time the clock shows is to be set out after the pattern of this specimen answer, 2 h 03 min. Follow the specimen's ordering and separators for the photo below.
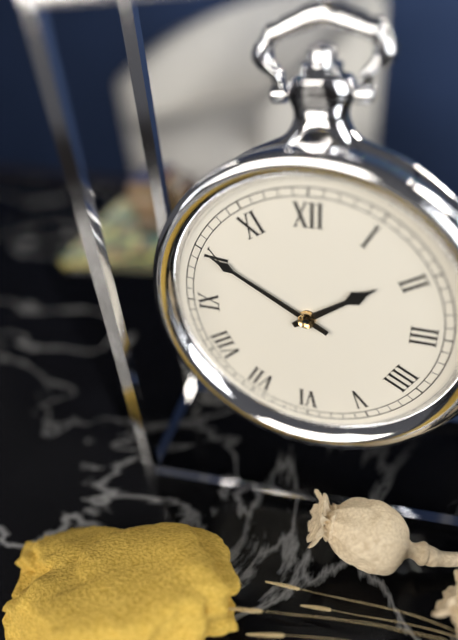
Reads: 1 h 50 min
